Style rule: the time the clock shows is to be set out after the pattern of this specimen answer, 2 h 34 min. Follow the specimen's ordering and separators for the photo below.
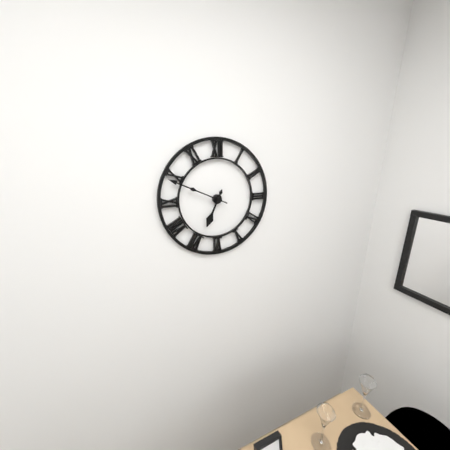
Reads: 6 h 49 min
